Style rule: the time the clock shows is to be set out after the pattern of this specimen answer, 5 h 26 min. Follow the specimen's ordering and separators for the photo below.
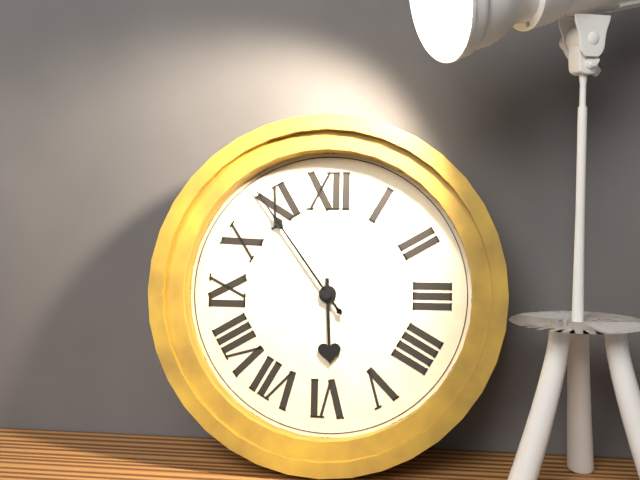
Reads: 5 h 54 min
